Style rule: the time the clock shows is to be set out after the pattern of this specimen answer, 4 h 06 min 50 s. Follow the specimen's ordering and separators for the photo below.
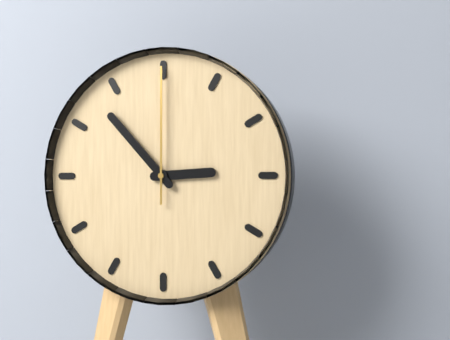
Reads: 2 h 53 min 00 s
